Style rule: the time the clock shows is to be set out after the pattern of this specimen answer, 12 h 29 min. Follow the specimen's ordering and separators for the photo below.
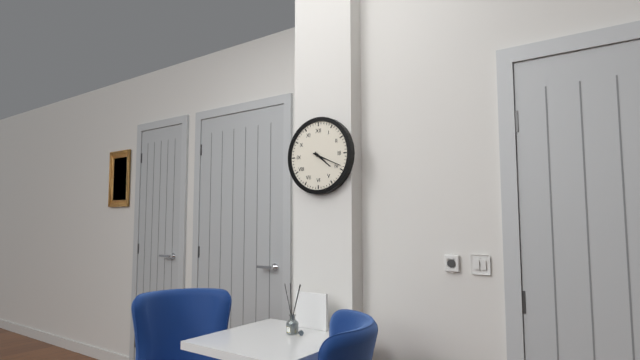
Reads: 4 h 19 min
